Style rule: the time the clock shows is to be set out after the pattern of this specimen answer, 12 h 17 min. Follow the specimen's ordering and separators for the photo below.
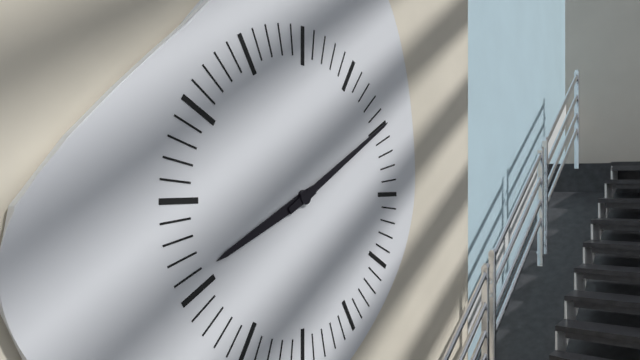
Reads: 8 h 10 min
